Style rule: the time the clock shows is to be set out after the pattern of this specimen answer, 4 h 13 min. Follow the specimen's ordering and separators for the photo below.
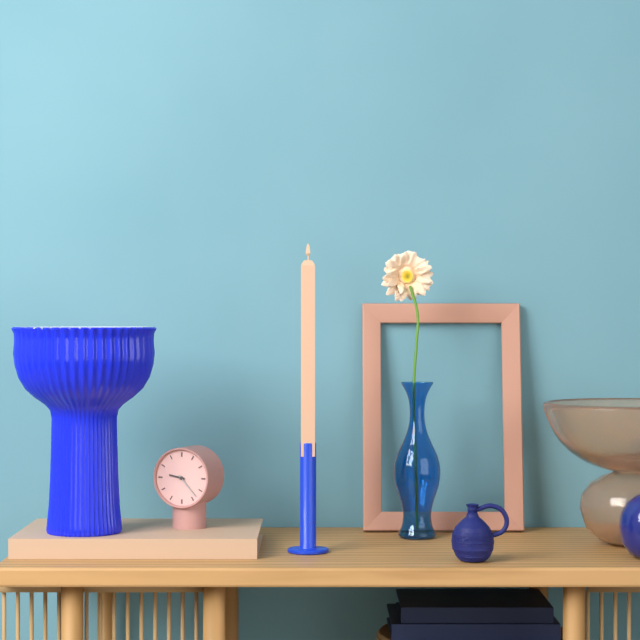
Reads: 9 h 23 min
